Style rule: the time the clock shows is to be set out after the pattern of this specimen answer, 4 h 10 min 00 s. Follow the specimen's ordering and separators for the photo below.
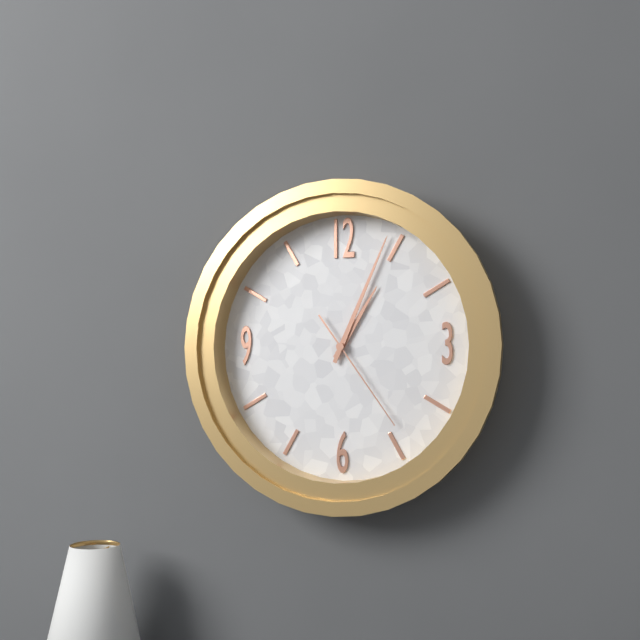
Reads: 1 h 04 min 24 s
